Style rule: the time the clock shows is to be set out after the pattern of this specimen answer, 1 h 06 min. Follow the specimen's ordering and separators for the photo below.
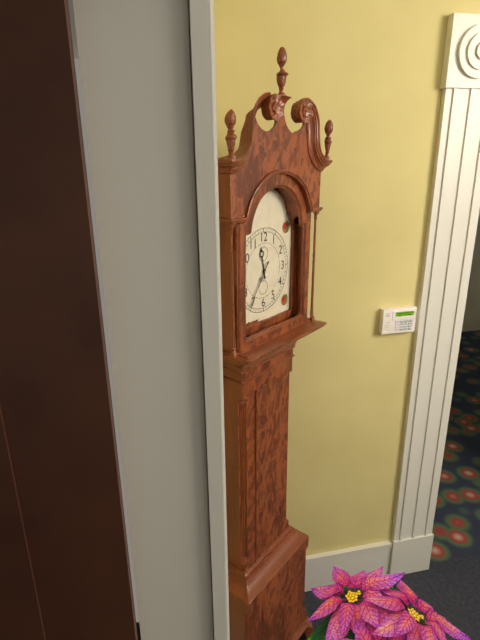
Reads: 11 h 36 min
